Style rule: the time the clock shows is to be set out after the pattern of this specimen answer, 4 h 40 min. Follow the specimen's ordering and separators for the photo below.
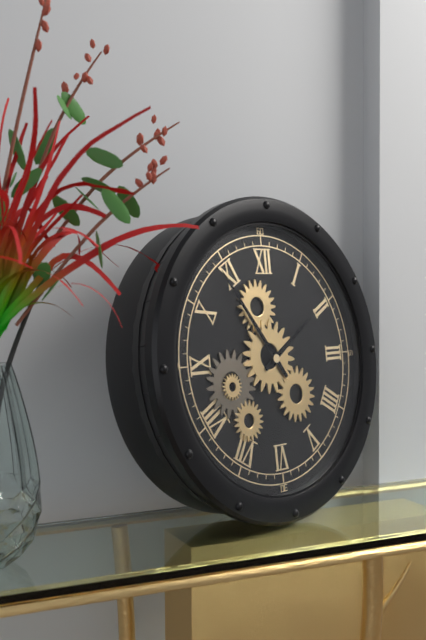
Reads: 1 h 54 min
